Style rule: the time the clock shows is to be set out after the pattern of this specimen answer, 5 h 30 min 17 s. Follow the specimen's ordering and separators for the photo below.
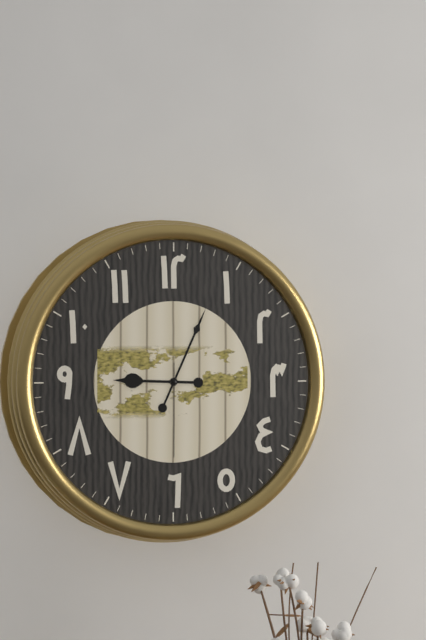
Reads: 9 h 04 min 30 s
